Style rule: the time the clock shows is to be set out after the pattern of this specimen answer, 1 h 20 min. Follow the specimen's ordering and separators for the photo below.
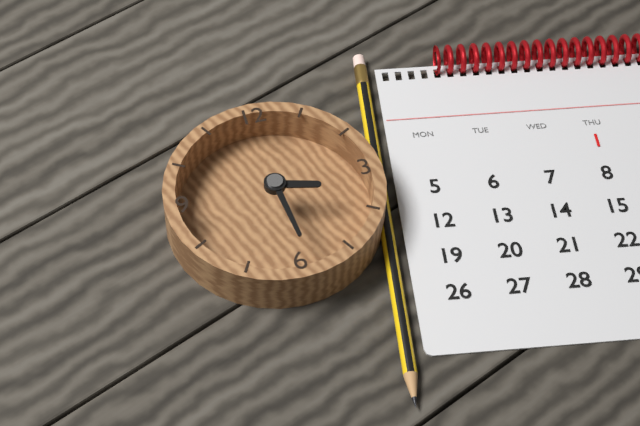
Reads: 3 h 29 min
